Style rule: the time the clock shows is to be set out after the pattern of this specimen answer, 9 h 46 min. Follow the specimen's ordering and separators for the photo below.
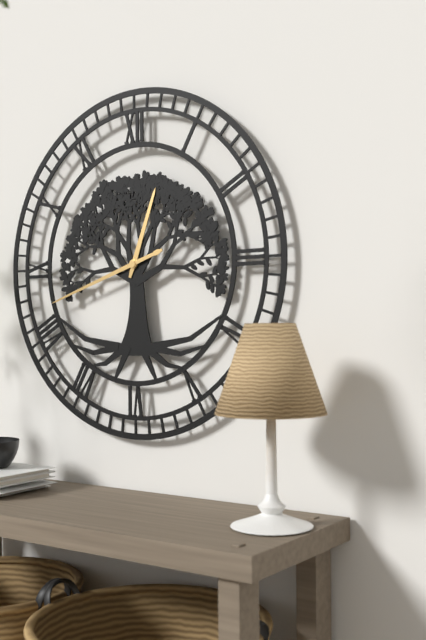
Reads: 12 h 42 min
